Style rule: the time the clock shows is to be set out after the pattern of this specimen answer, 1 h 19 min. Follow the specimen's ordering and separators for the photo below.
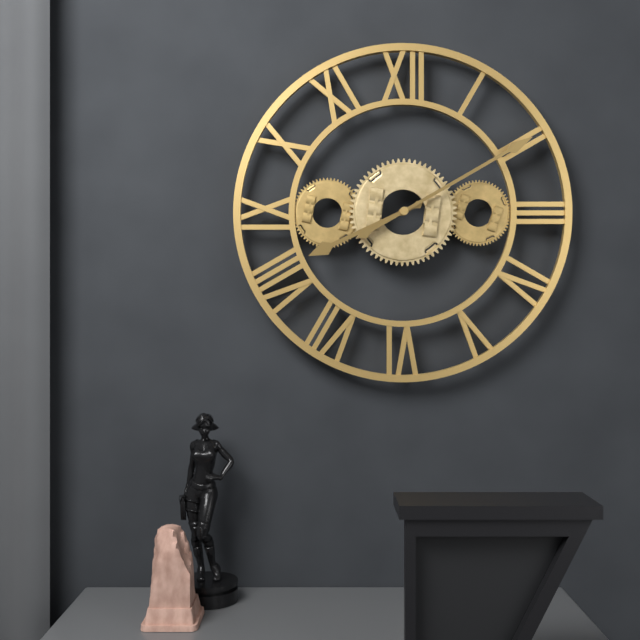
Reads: 8 h 10 min
